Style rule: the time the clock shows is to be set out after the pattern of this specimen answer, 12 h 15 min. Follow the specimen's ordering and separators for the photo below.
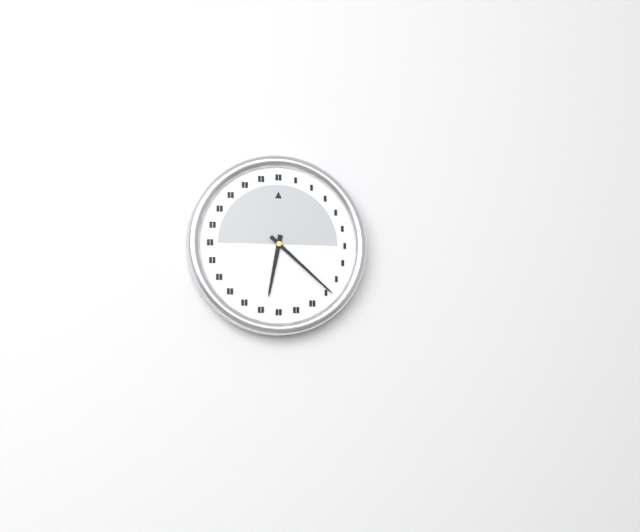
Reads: 6 h 22 min
